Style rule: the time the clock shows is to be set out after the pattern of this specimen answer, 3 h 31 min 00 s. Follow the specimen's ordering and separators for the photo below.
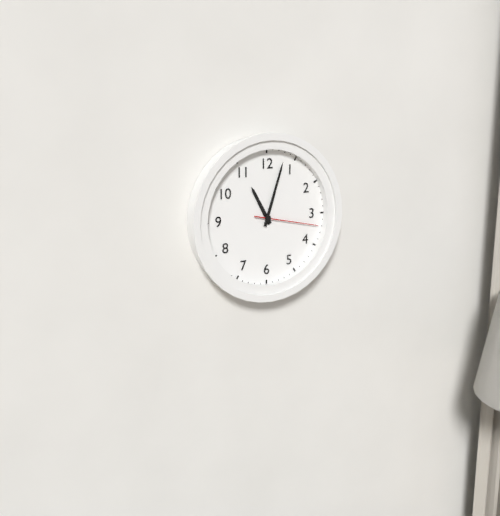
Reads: 11 h 03 min 17 s
